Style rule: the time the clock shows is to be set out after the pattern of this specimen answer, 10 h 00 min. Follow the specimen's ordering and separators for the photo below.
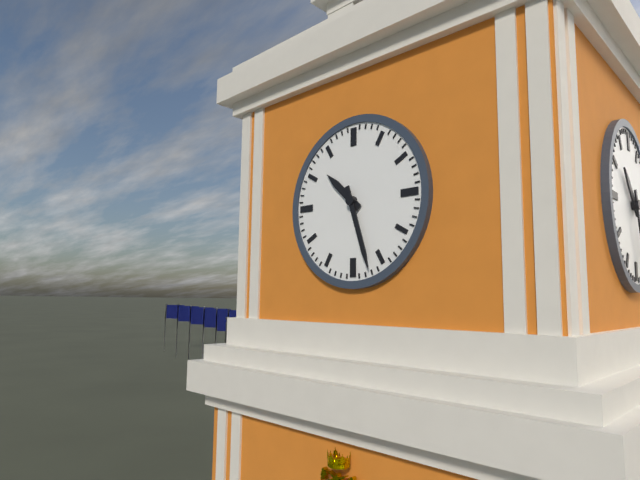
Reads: 10 h 27 min
